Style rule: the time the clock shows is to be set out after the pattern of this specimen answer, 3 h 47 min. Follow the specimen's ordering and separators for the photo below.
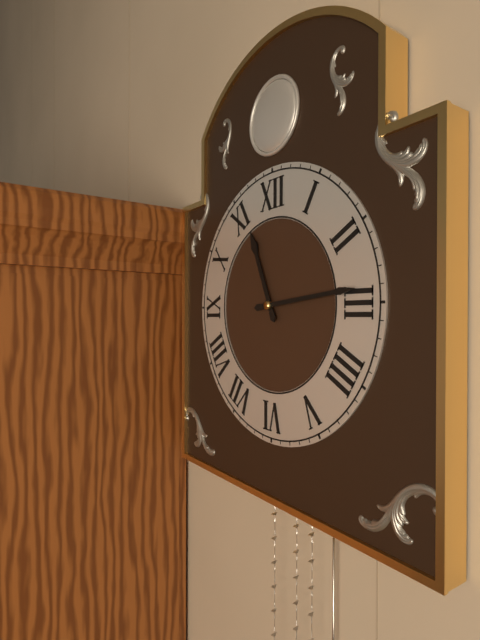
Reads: 11 h 14 min
